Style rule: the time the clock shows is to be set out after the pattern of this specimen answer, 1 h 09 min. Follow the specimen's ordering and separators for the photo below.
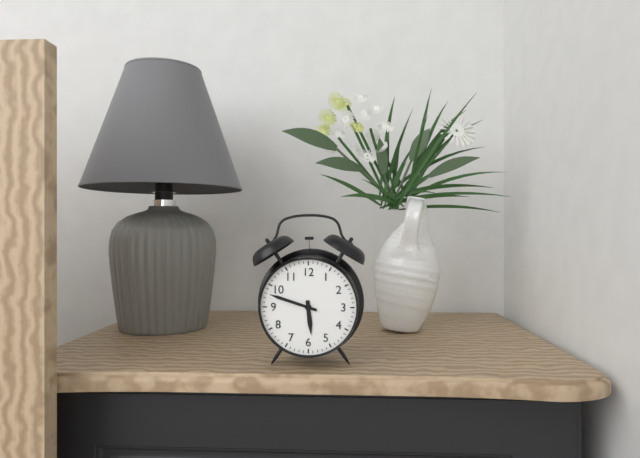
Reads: 5 h 48 min
